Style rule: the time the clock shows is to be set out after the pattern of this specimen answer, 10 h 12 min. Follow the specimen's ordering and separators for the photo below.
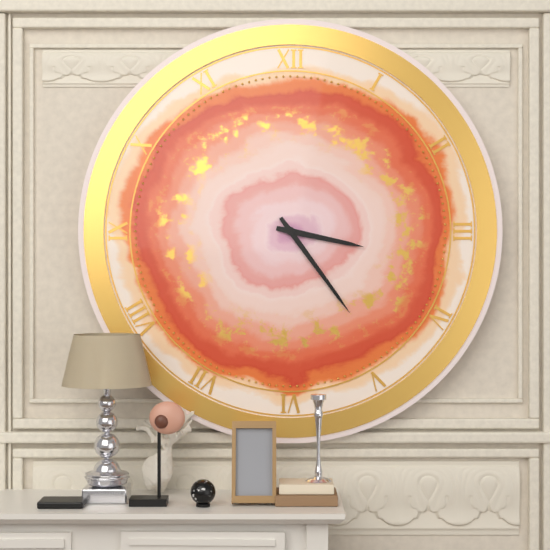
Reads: 3 h 24 min
